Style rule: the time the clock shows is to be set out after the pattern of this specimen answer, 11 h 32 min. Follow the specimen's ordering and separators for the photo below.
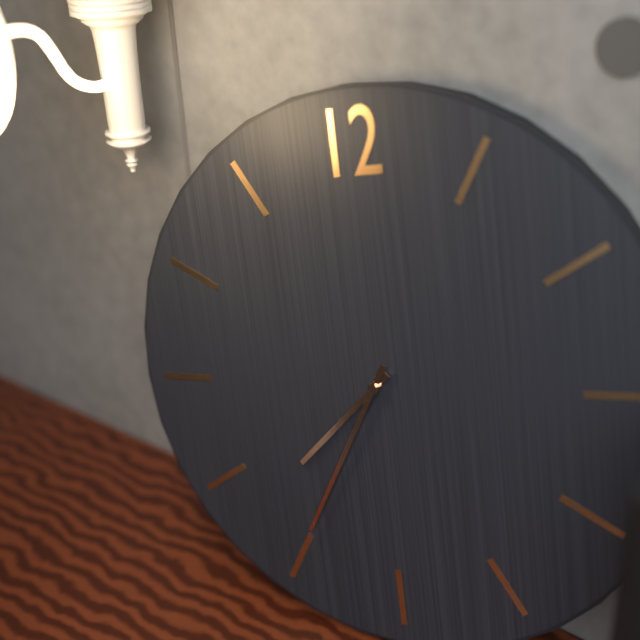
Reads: 7 h 35 min
